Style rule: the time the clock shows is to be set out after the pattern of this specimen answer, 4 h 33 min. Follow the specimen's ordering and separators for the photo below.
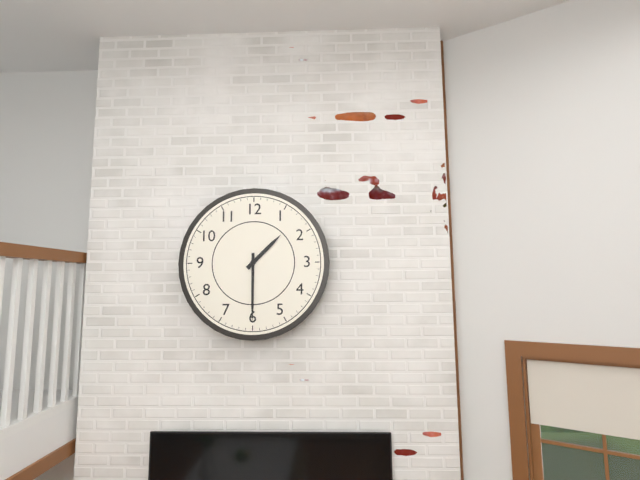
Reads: 1 h 30 min
